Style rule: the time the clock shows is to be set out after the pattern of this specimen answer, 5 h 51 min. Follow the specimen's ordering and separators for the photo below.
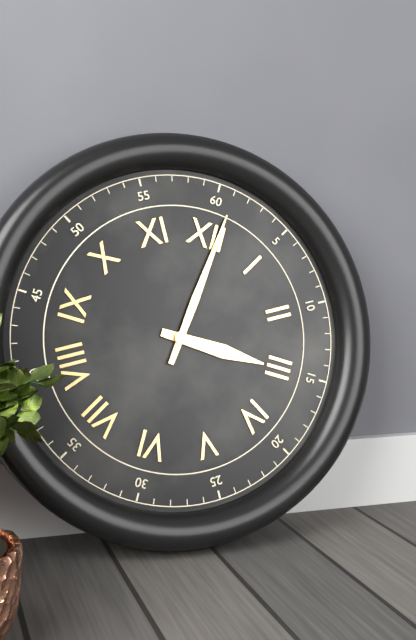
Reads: 3 h 01 min
